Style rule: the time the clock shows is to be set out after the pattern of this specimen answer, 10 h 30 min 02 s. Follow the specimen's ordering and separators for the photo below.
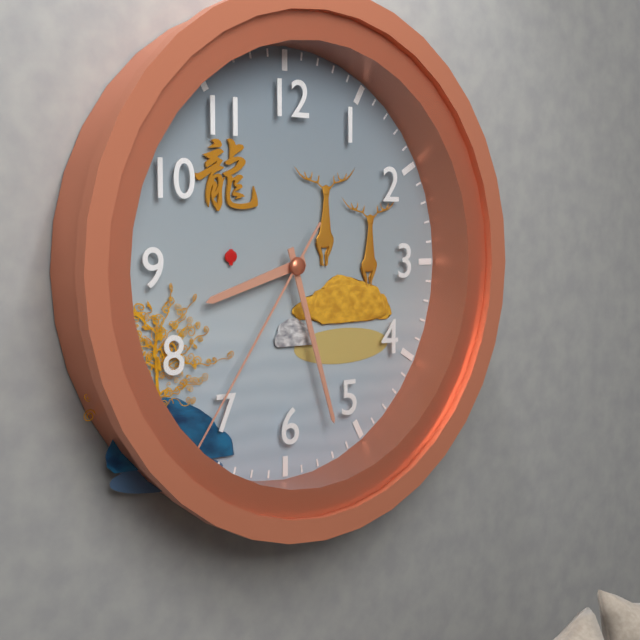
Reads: 8 h 27 min 36 s
